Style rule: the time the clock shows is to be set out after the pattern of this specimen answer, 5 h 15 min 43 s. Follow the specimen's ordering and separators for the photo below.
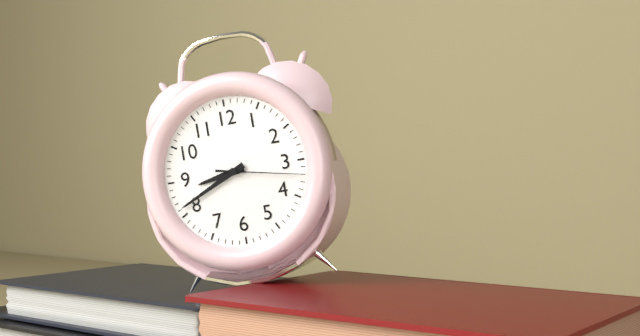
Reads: 8 h 41 min 17 s
